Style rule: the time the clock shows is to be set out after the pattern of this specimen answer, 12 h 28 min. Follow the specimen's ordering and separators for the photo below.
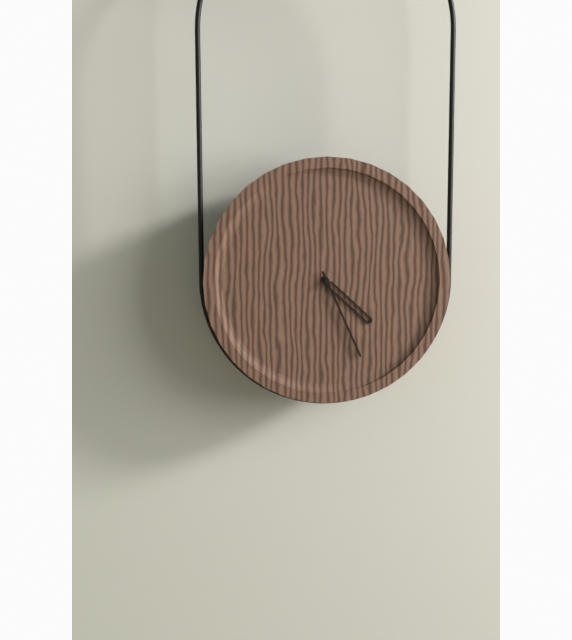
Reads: 4 h 26 min
